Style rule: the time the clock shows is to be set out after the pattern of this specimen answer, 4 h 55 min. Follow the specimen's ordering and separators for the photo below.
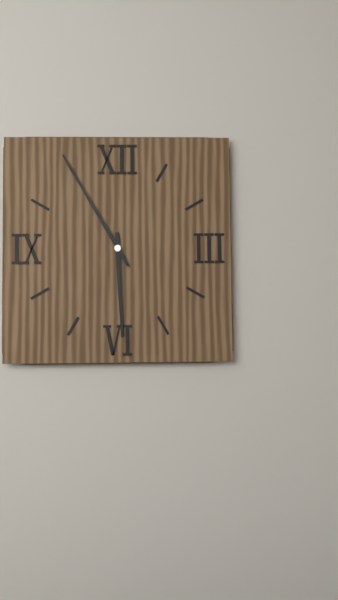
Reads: 5 h 55 min
